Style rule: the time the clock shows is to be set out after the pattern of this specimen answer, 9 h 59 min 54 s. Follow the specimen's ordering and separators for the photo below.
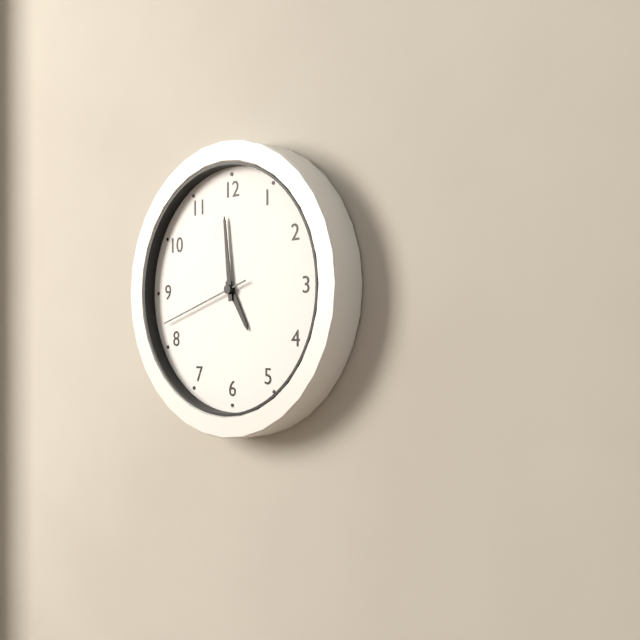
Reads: 4 h 59 min 42 s
